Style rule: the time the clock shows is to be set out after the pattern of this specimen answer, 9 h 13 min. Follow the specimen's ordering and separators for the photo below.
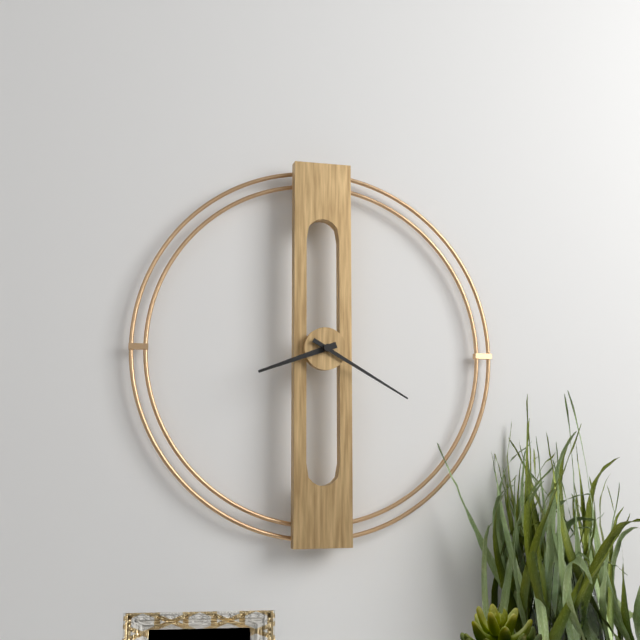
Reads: 8 h 20 min
